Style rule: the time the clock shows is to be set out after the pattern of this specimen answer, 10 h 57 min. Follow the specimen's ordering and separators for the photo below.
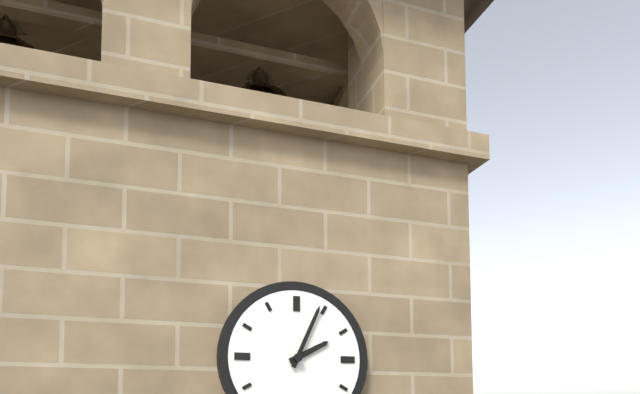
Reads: 2 h 04 min
